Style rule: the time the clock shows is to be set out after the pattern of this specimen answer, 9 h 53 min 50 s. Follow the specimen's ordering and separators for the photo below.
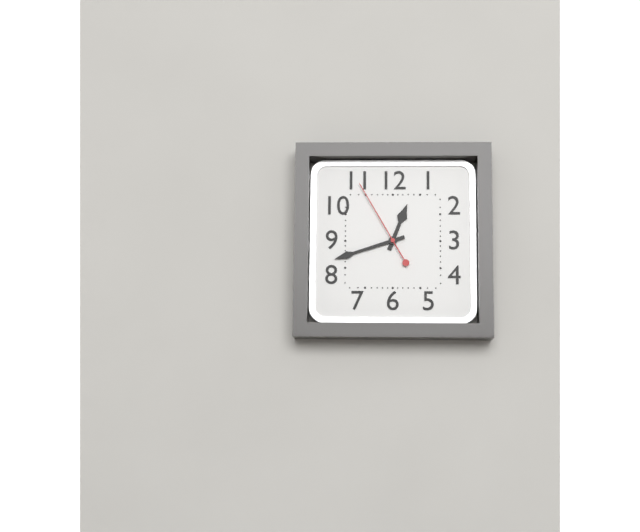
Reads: 12 h 42 min 55 s
